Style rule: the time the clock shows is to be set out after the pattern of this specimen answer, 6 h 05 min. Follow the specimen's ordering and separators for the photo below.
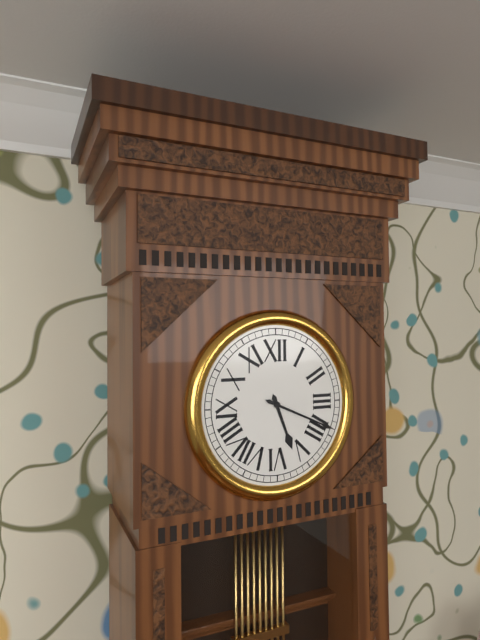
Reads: 5 h 19 min
